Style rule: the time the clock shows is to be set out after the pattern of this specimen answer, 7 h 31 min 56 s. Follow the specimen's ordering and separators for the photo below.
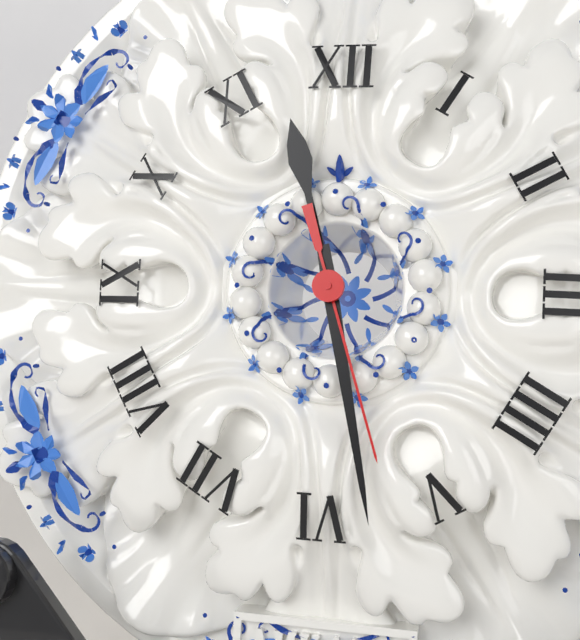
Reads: 11 h 28 min 27 s
